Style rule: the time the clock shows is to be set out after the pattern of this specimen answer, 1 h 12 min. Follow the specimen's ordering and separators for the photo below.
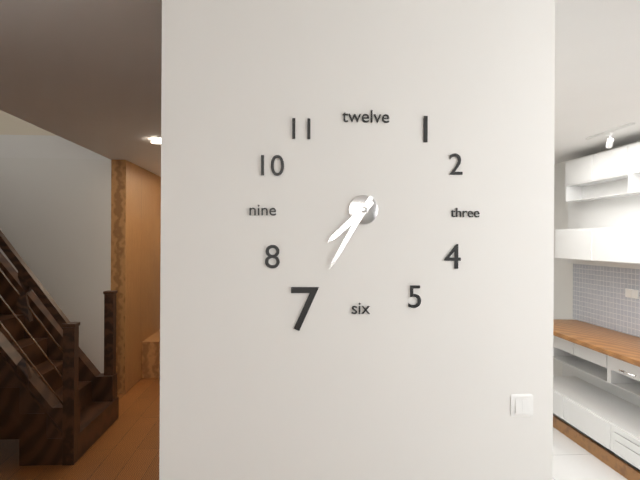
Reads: 7 h 35 min
